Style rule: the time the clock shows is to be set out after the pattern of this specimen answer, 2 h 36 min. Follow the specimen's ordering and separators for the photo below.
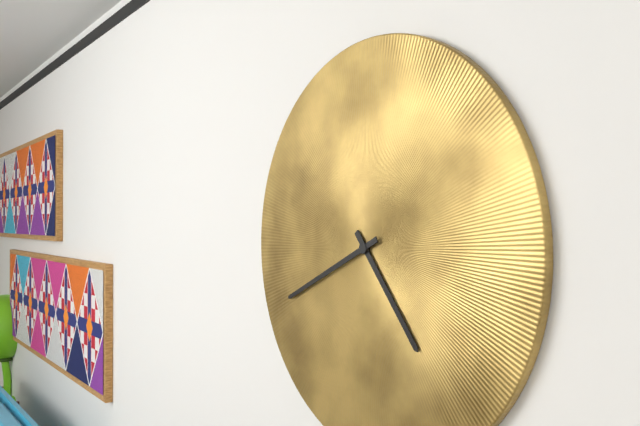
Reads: 4 h 41 min
